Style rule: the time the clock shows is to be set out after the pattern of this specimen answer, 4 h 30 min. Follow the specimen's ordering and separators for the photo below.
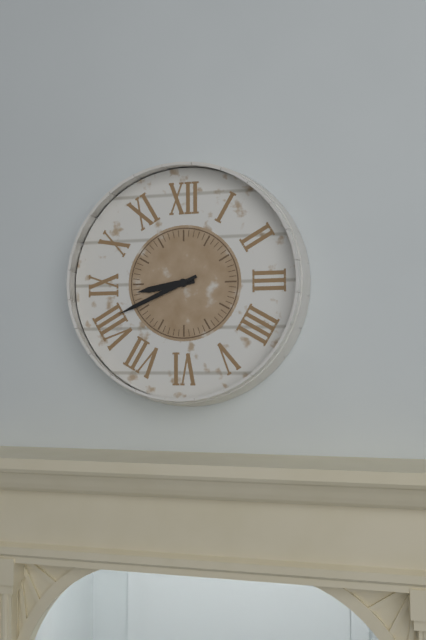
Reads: 8 h 41 min
